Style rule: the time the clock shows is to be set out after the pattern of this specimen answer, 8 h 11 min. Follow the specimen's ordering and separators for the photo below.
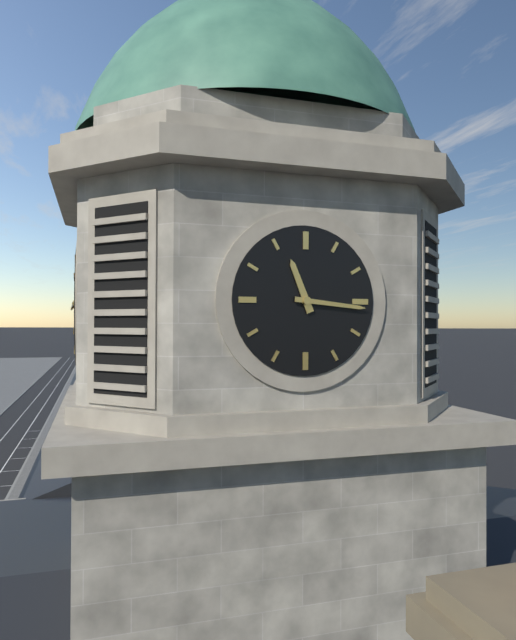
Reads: 11 h 16 min
